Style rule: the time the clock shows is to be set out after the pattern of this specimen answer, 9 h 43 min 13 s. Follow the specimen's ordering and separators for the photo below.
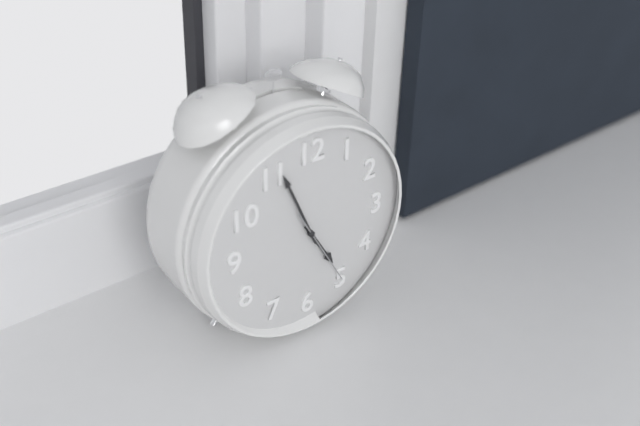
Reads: 4 h 56 min 25 s
